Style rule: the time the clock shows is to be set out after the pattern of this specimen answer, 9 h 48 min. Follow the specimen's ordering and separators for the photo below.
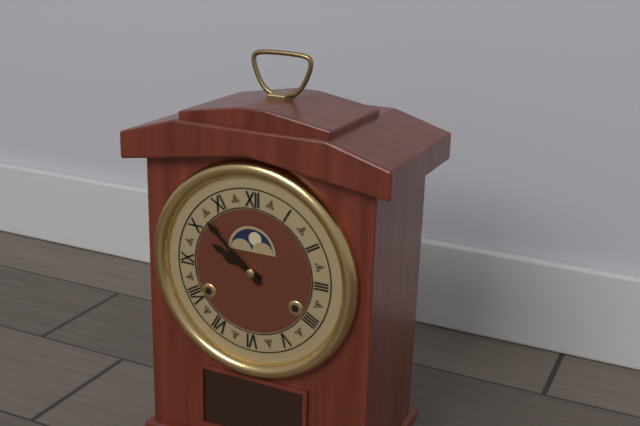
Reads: 9 h 52 min
